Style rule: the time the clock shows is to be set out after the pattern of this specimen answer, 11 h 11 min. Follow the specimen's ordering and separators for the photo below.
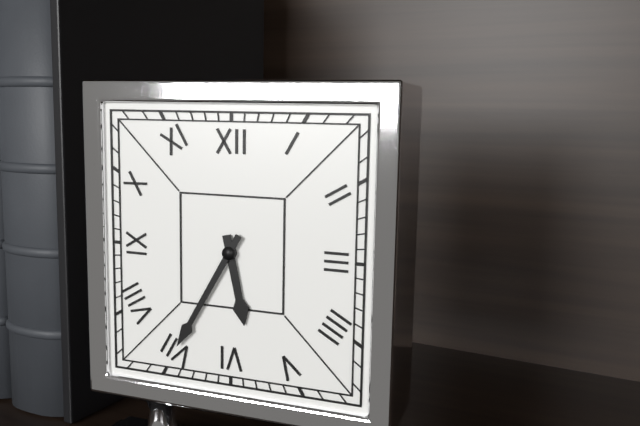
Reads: 5 h 35 min
